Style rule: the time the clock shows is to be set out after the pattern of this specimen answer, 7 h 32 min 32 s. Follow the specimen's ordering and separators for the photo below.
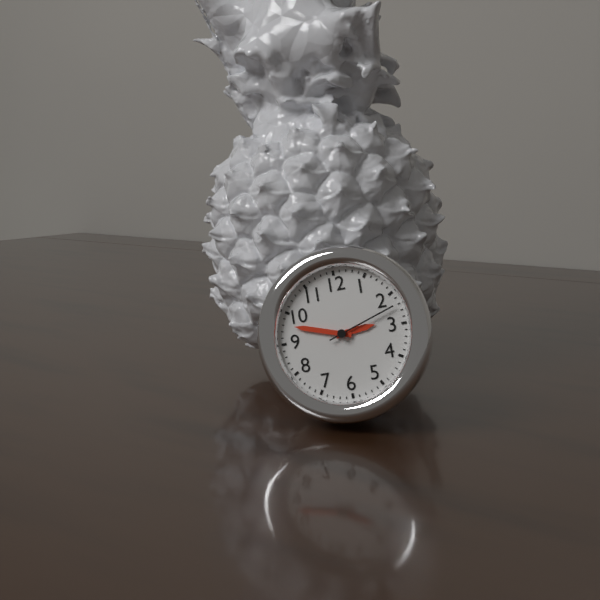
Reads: 2 h 48 min 12 s
